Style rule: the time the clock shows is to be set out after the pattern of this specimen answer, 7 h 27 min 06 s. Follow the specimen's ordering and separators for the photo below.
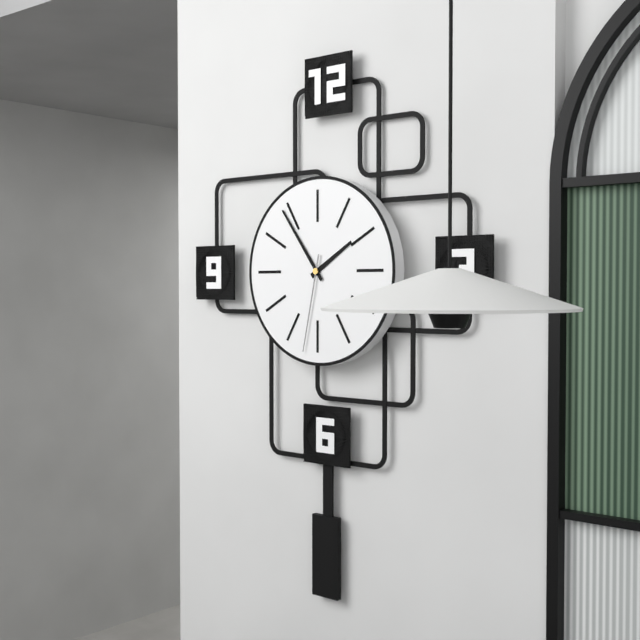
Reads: 1 h 54 min 32 s
